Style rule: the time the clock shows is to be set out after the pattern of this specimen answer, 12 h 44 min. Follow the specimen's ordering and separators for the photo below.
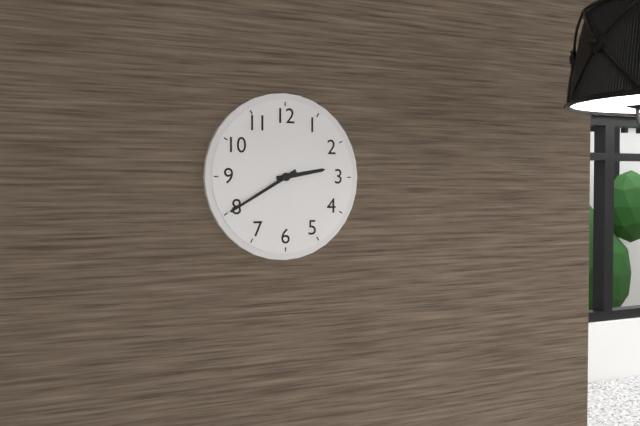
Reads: 2 h 40 min
